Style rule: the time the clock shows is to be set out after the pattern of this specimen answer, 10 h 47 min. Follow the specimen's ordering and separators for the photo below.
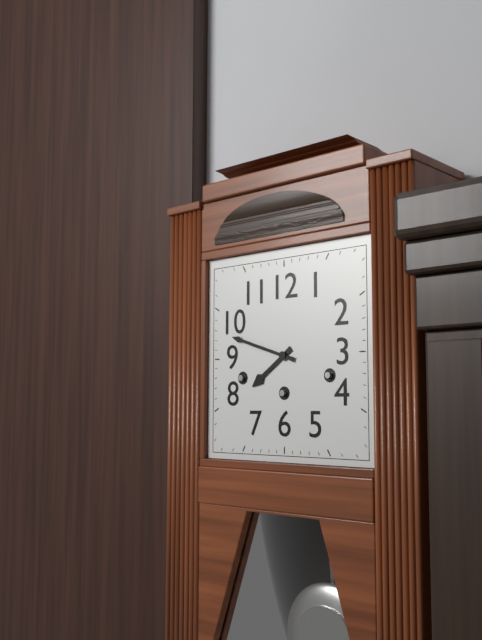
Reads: 7 h 48 min
